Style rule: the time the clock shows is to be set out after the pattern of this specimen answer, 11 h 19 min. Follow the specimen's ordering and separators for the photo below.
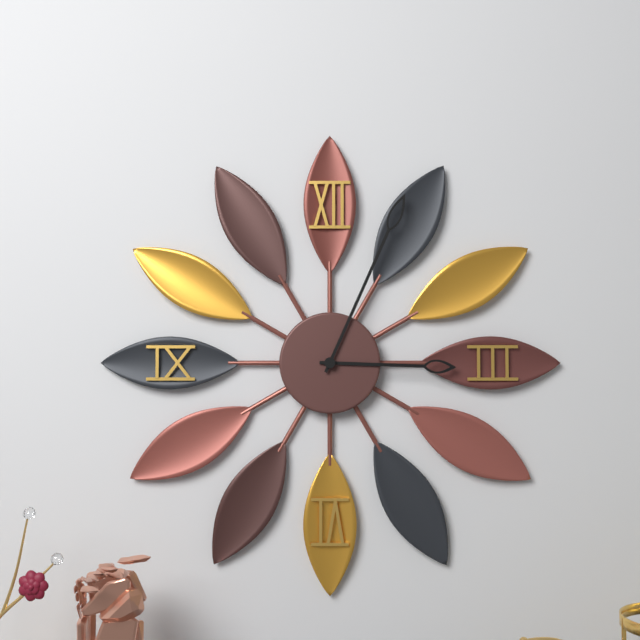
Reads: 3 h 04 min
